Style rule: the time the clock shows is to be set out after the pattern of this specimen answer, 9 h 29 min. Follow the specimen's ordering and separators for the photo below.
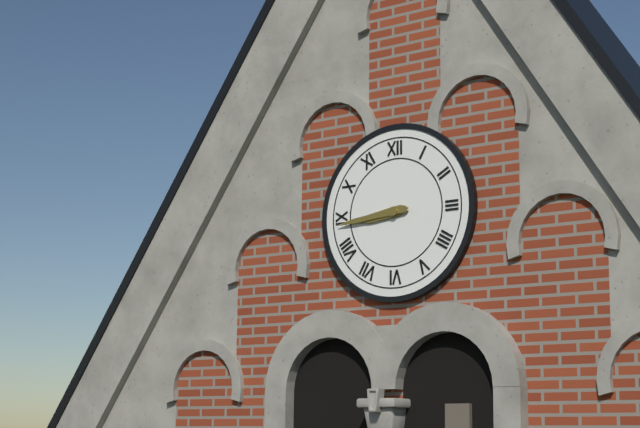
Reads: 8 h 44 min
